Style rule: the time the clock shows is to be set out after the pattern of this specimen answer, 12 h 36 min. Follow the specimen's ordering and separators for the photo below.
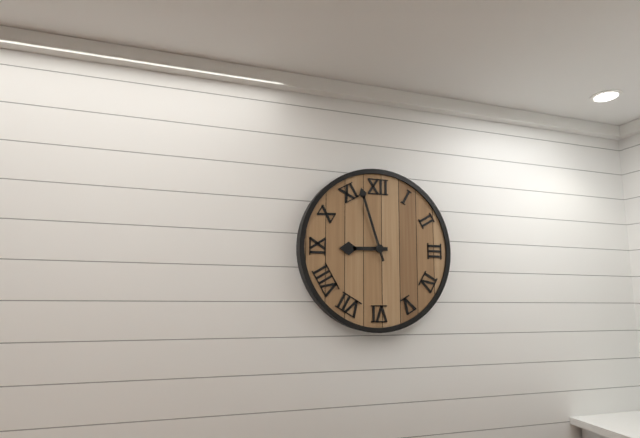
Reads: 8 h 57 min
